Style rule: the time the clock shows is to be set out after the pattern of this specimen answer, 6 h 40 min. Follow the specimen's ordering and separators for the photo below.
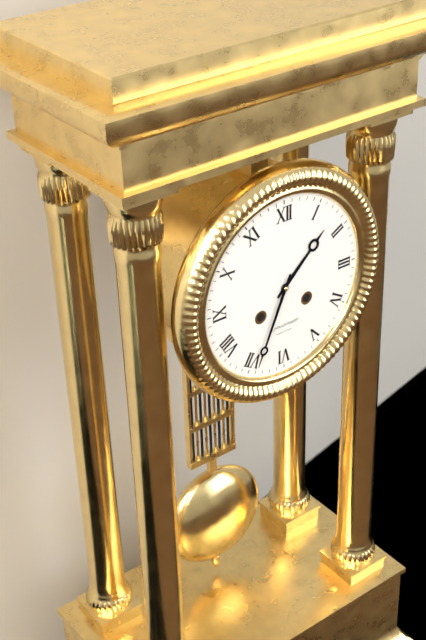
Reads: 1 h 34 min
